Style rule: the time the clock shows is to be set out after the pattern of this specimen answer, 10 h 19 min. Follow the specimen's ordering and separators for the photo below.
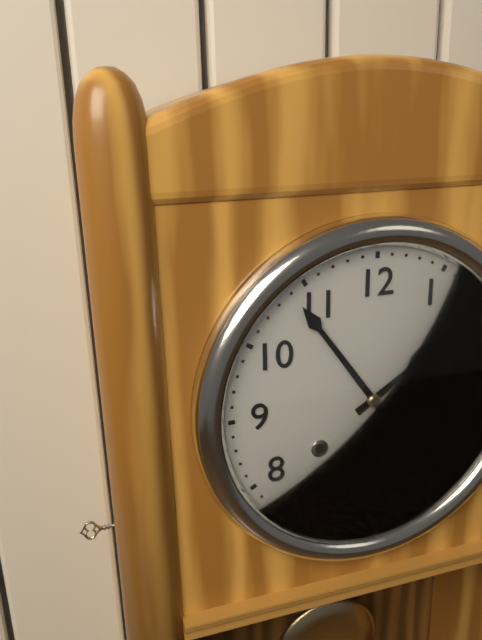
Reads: 1 h 54 min
